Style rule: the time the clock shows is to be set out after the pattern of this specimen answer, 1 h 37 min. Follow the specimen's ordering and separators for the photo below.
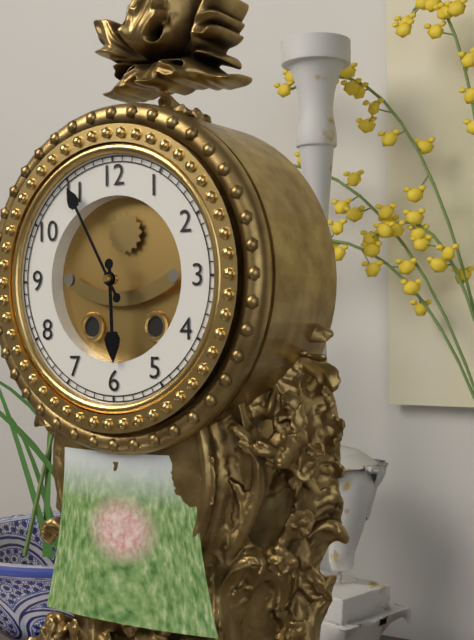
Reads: 5 h 55 min
